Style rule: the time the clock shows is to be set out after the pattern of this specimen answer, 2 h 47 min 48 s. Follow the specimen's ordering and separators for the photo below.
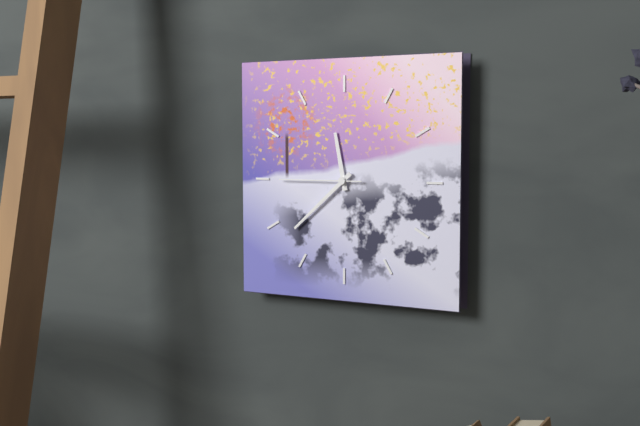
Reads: 11 h 38 min 45 s
